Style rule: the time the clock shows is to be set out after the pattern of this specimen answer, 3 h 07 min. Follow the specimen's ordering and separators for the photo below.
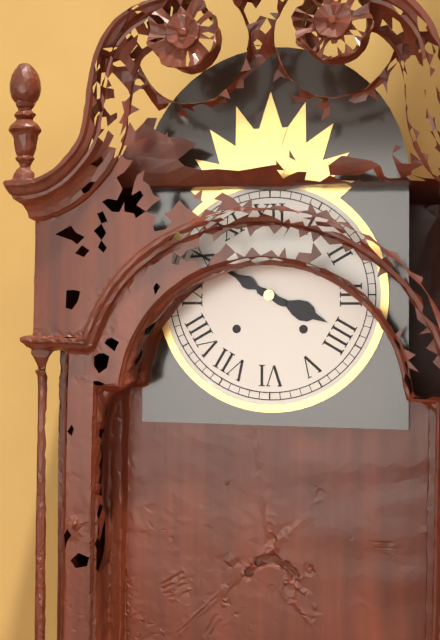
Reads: 3 h 50 min
